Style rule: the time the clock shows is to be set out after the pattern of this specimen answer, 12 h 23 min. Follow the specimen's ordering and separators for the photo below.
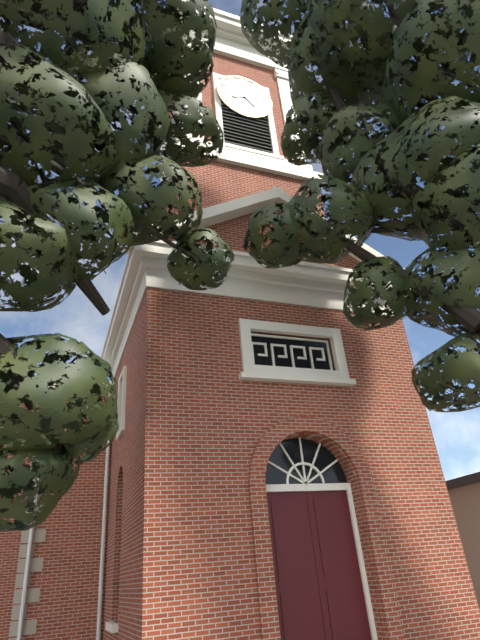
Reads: 8 h 23 min
